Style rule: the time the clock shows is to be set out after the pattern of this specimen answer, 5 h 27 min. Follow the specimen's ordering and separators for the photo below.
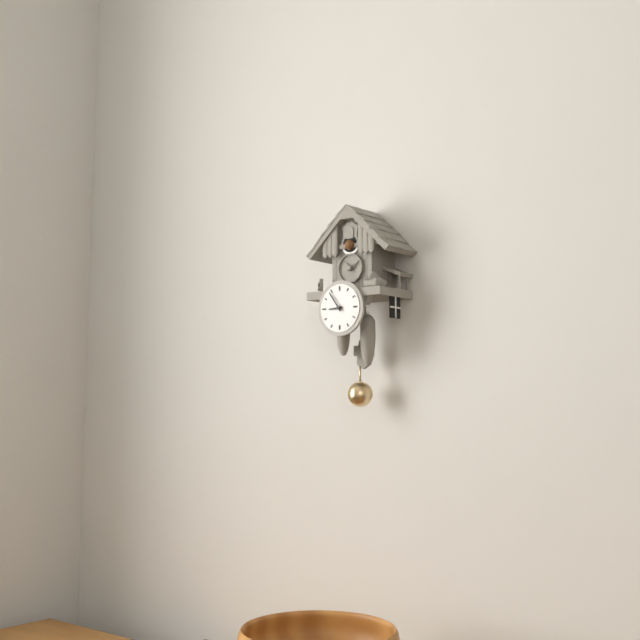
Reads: 8 h 54 min
